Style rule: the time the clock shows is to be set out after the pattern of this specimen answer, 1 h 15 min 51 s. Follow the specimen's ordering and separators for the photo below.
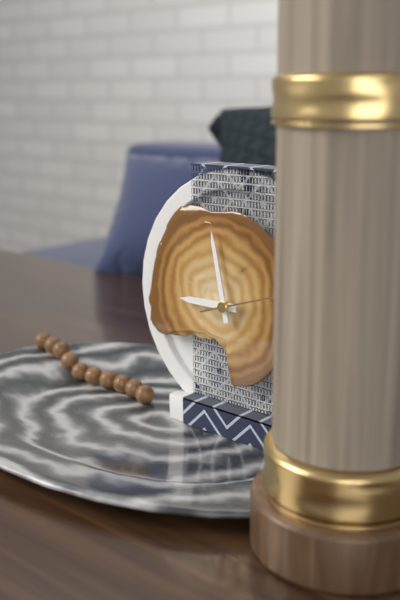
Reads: 8 h 58 min 12 s
